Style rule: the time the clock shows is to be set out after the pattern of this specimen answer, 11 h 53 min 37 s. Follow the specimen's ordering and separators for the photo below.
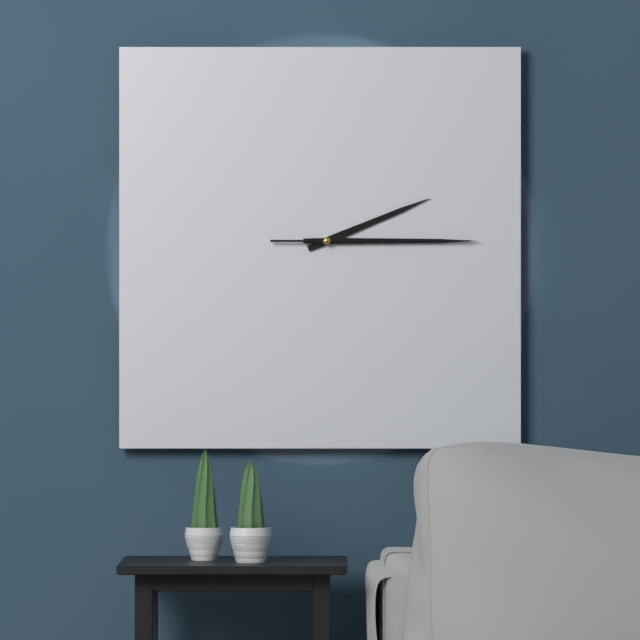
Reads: 2 h 15 min 15 s
